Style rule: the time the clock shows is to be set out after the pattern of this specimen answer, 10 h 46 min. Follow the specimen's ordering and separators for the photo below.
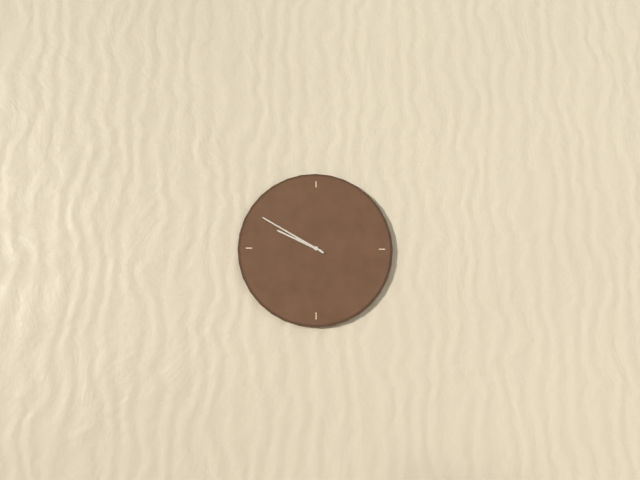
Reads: 9 h 50 min
